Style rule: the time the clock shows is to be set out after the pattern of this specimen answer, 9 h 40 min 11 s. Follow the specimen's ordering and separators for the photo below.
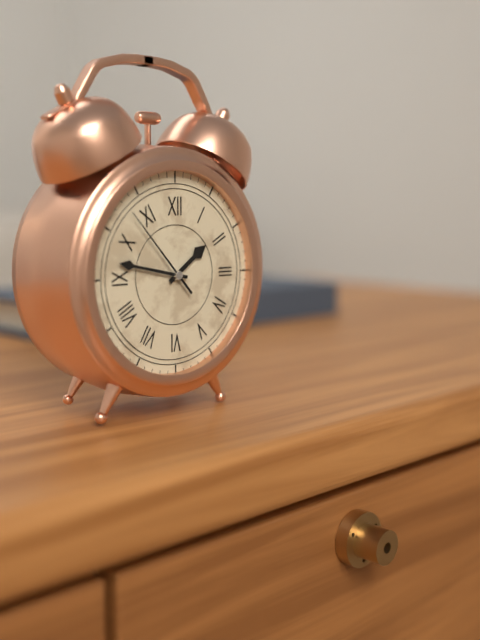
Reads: 1 h 47 min 53 s
